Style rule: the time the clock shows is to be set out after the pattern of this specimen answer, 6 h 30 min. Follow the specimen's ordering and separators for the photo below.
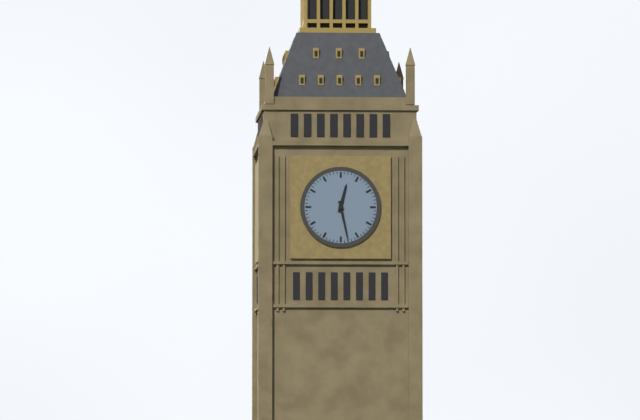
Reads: 12 h 28 min
